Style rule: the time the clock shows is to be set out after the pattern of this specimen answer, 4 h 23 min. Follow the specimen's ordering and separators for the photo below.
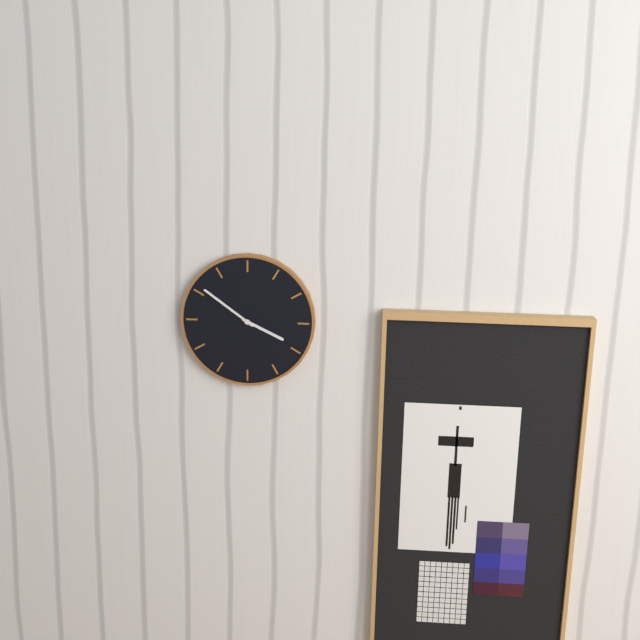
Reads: 3 h 51 min
